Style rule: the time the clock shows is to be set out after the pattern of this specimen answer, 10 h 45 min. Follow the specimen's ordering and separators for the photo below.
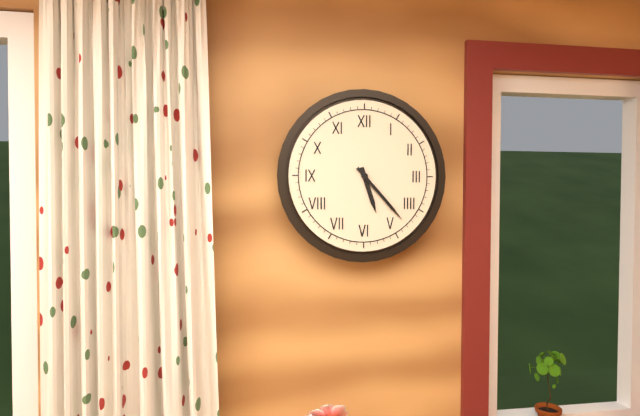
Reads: 5 h 23 min
